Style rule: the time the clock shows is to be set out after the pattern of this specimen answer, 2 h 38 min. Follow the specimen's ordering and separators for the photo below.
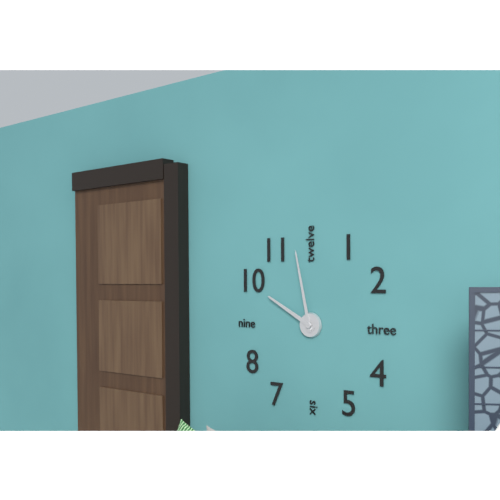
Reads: 9 h 58 min
